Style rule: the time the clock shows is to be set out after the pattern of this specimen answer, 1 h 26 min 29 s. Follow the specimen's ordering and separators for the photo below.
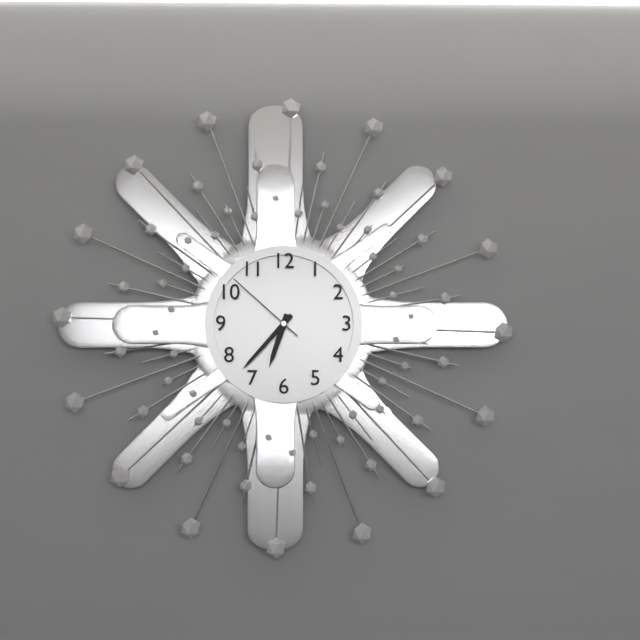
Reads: 6 h 37 min 52 s
